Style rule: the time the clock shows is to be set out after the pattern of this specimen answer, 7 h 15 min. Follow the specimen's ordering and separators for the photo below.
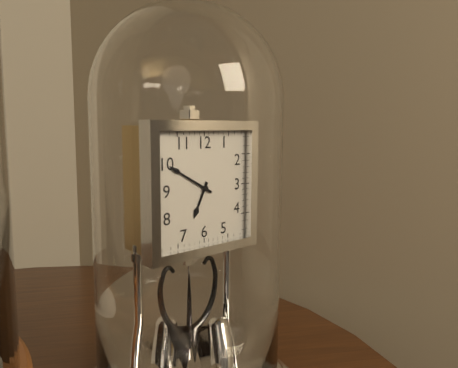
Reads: 6 h 50 min
